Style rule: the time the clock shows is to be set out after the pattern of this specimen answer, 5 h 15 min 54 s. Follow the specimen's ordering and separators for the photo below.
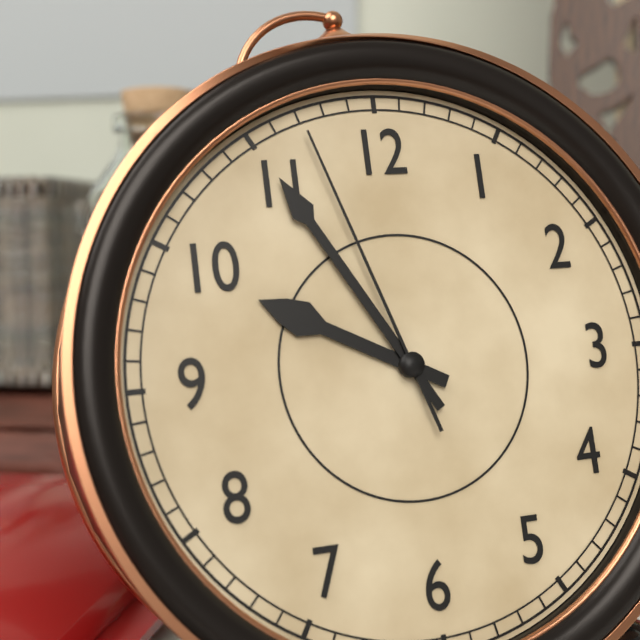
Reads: 9 h 55 min 57 s
